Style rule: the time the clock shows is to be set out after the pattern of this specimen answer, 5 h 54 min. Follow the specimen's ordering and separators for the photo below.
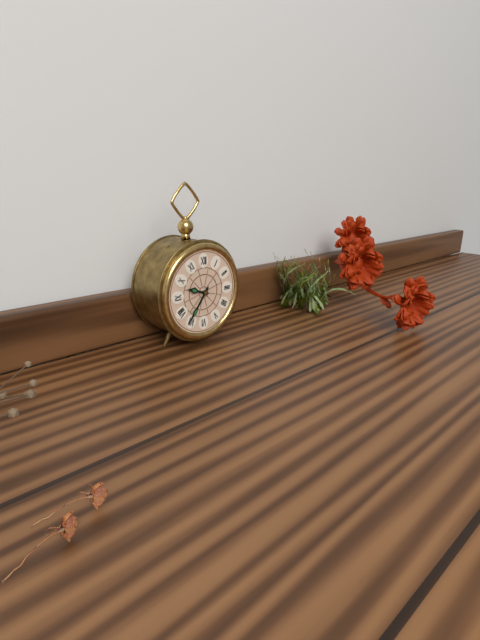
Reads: 9 h 36 min
